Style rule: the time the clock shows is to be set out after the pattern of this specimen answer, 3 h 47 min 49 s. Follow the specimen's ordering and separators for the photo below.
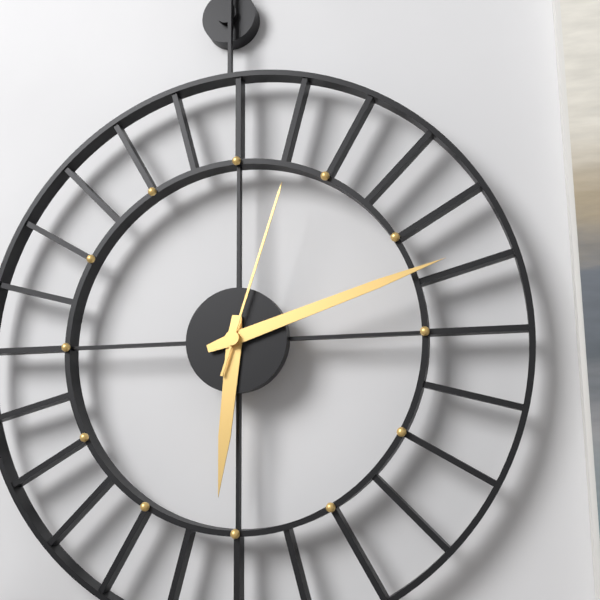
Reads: 6 h 12 min 03 s
